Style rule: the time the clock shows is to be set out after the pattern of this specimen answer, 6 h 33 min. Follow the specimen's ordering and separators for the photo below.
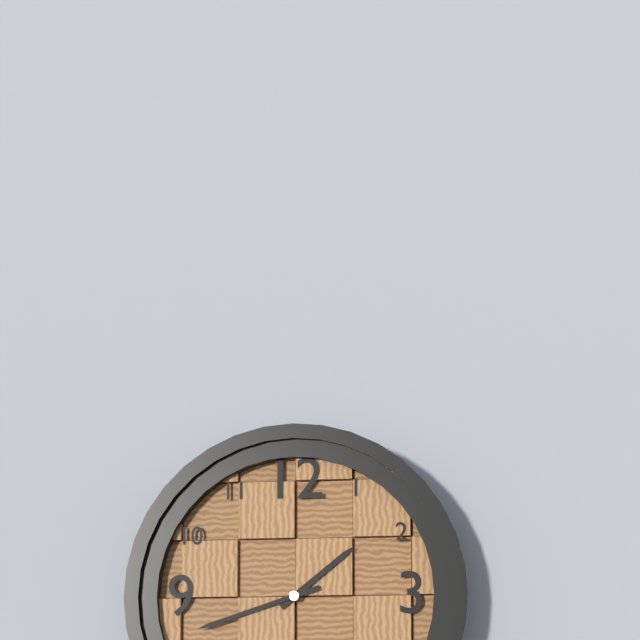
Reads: 1 h 42 min
